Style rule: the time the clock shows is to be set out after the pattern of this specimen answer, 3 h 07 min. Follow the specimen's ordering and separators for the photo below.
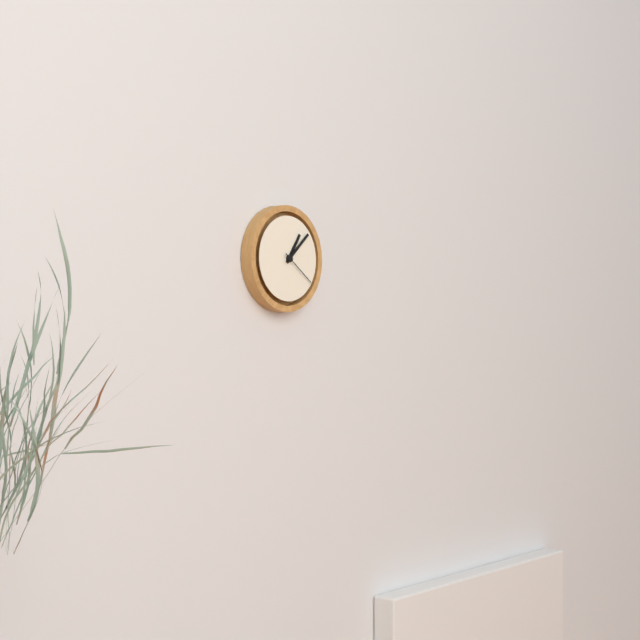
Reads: 1 h 08 min
